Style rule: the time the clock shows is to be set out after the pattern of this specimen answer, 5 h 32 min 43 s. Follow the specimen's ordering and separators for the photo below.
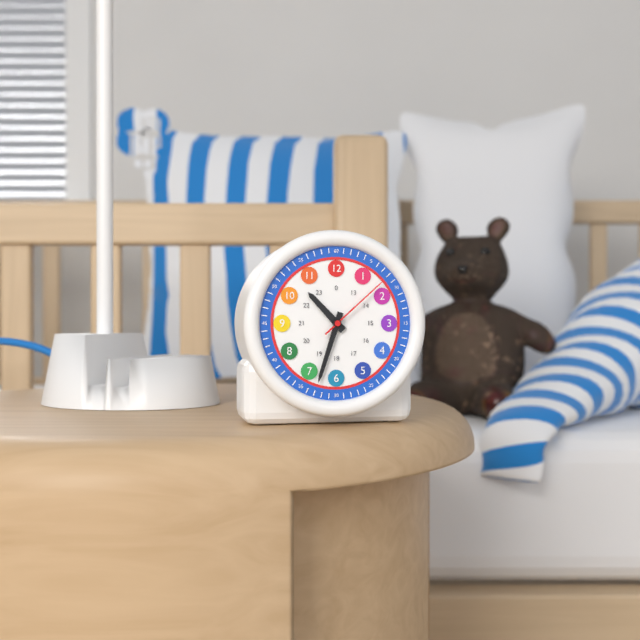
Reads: 10 h 33 min 08 s
